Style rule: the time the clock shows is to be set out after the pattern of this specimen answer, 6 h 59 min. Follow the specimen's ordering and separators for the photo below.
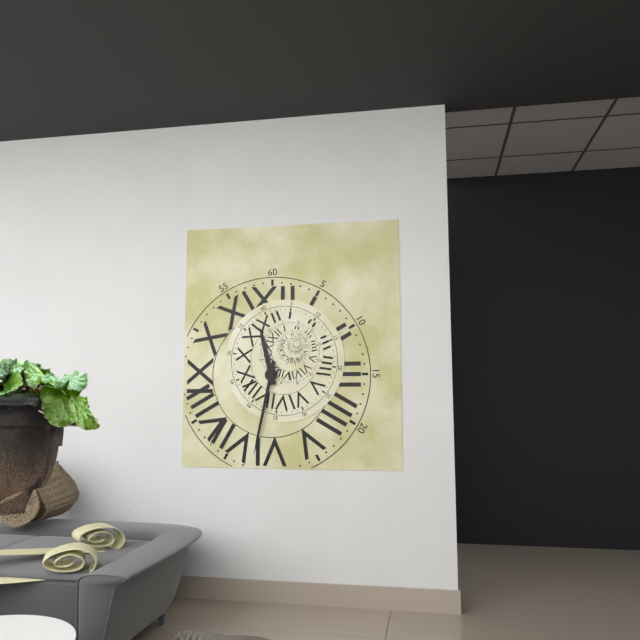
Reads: 11 h 32 min
